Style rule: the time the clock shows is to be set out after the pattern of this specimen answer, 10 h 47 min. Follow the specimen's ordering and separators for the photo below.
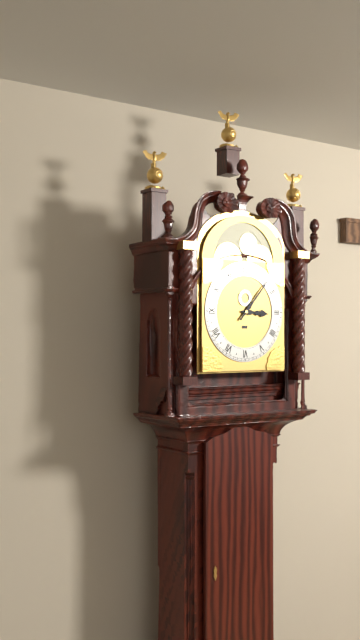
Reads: 3 h 07 min
